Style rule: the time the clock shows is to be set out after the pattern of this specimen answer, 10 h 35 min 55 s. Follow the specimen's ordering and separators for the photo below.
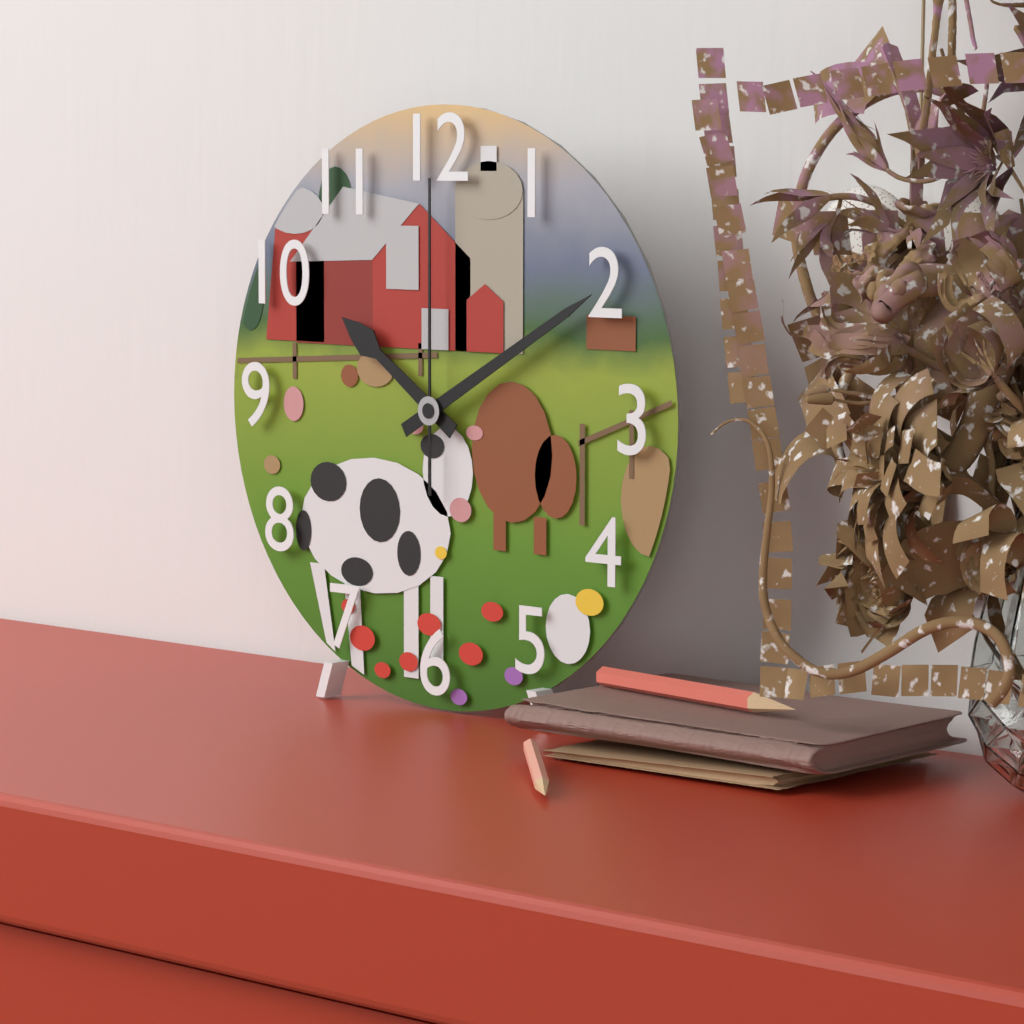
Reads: 10 h 10 min 00 s
